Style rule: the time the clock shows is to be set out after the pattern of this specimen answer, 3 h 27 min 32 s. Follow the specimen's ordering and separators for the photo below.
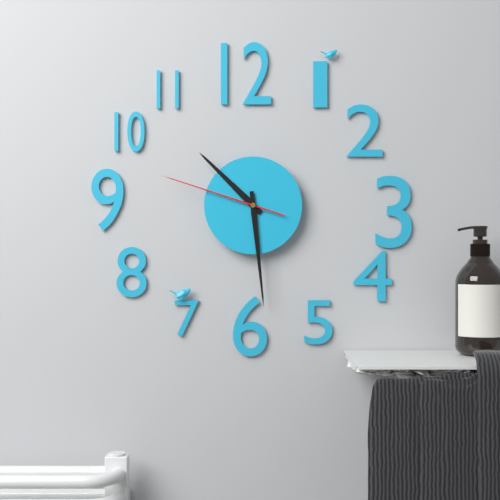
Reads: 10 h 29 min 48 s
